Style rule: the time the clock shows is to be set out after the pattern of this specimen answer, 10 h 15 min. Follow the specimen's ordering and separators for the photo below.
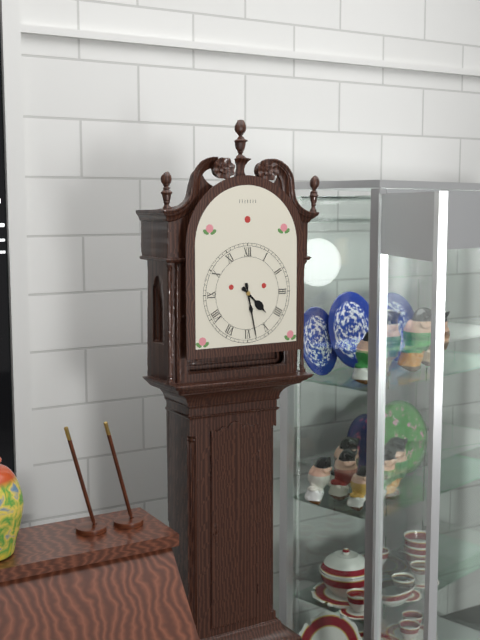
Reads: 4 h 28 min
